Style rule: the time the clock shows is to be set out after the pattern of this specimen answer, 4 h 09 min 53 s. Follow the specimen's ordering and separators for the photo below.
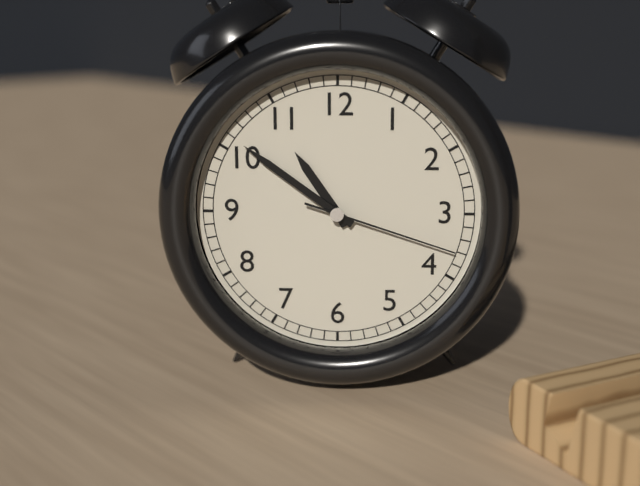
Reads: 10 h 51 min 18 s
